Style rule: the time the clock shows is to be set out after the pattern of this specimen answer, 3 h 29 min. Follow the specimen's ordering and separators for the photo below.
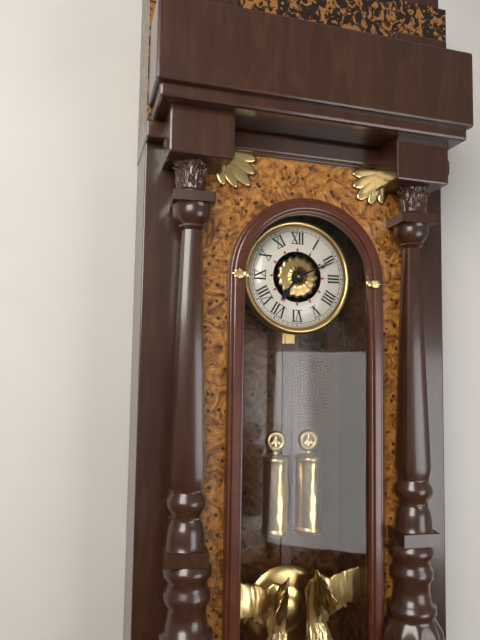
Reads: 7 h 11 min
